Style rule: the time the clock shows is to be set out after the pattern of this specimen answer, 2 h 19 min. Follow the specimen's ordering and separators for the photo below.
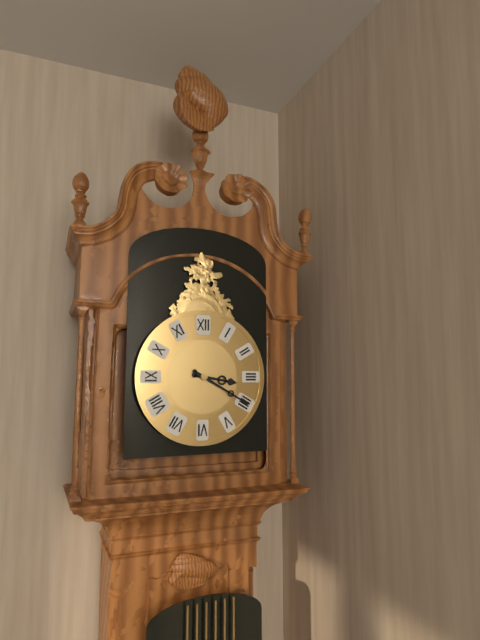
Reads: 3 h 20 min
